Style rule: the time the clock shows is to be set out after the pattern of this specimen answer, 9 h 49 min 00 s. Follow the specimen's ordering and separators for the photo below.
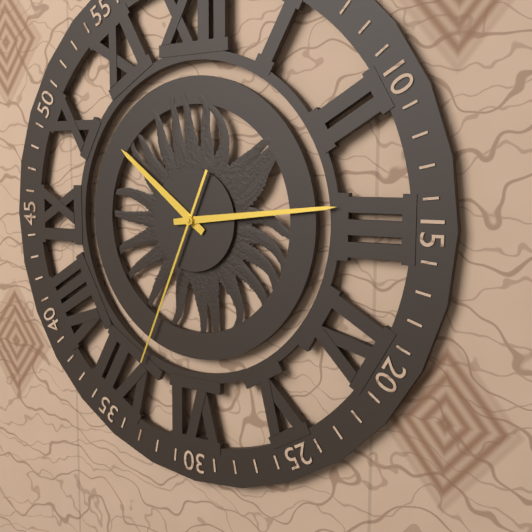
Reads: 10 h 14 min 34 s
